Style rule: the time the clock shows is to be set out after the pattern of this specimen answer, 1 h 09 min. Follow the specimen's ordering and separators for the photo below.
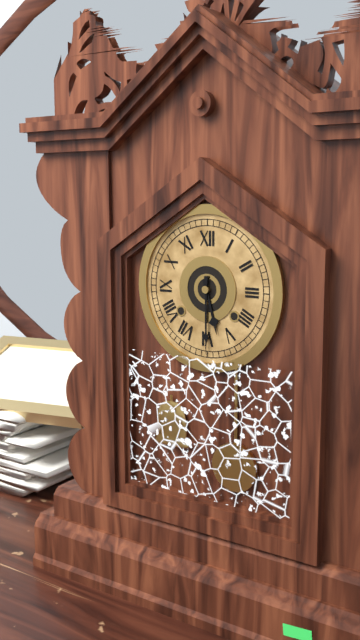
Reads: 5 h 30 min
